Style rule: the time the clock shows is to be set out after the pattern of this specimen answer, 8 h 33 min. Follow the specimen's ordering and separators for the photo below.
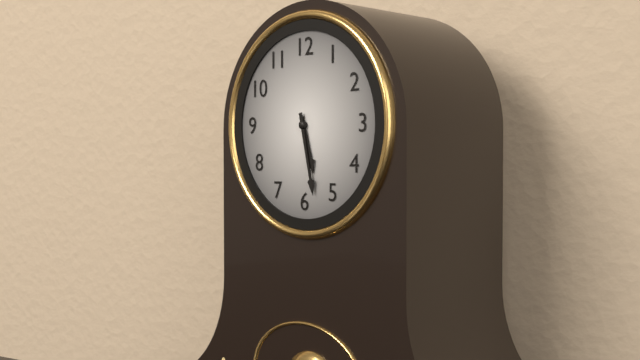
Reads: 5 h 28 min
